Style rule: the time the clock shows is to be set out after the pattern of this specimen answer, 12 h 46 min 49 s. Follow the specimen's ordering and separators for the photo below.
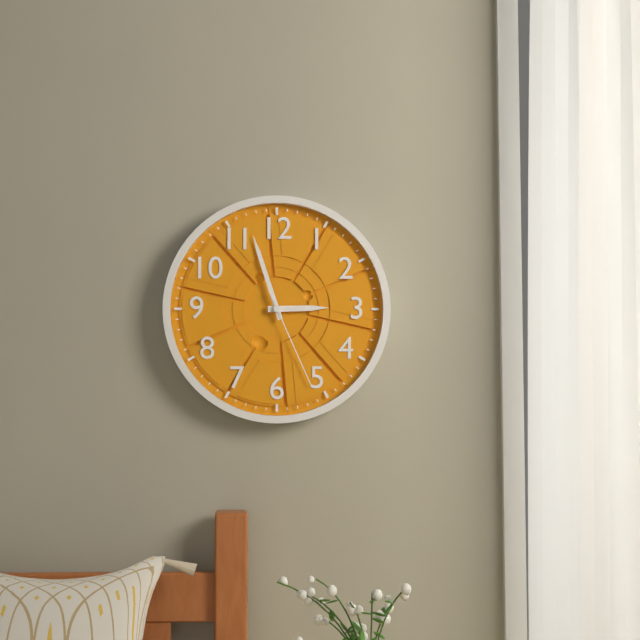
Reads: 2 h 57 min 26 s
